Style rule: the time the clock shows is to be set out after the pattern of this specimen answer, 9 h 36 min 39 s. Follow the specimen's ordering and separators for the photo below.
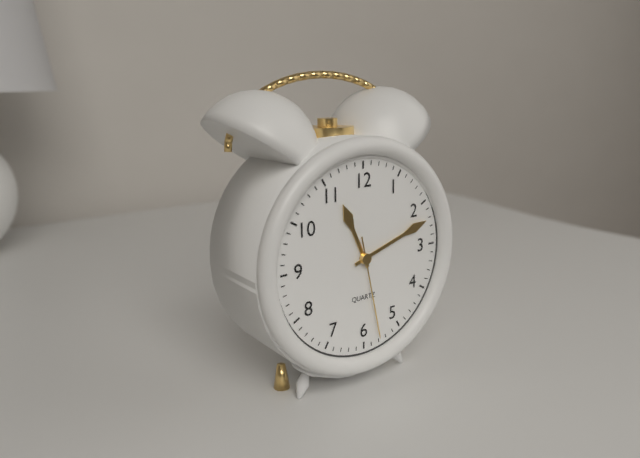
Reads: 11 h 12 min 28 s
